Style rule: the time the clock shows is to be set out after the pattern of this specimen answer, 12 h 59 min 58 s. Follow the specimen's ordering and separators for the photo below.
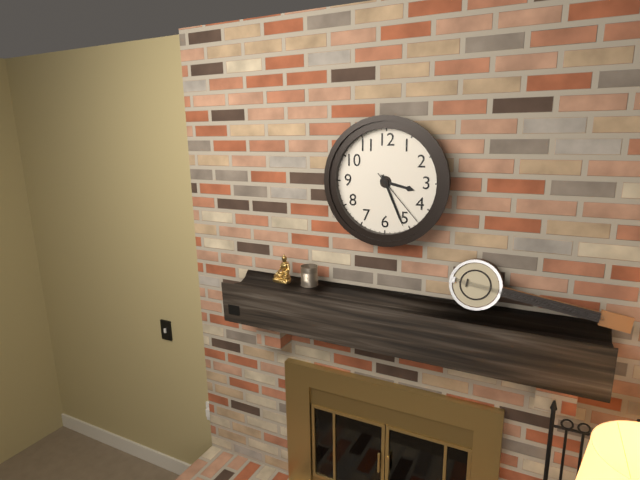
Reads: 3 h 26 min 23 s
